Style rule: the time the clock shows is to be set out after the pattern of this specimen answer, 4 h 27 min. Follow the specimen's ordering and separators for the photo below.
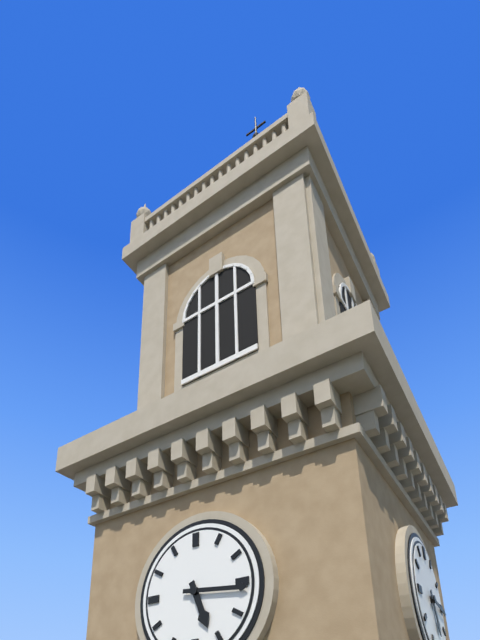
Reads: 5 h 16 min
